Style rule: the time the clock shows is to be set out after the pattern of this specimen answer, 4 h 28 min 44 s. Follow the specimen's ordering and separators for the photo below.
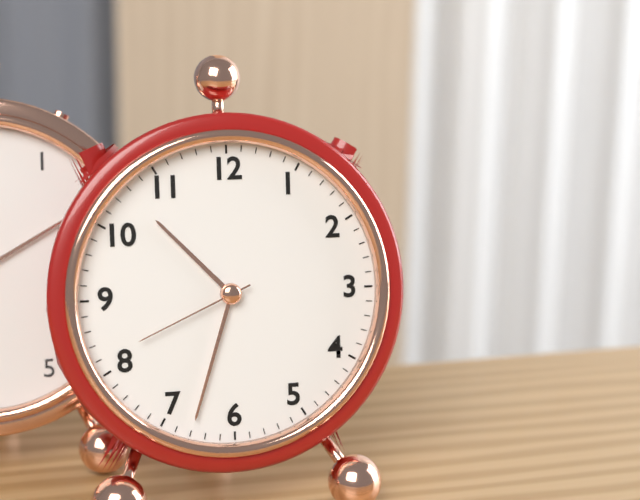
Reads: 10 h 33 min 41 s
